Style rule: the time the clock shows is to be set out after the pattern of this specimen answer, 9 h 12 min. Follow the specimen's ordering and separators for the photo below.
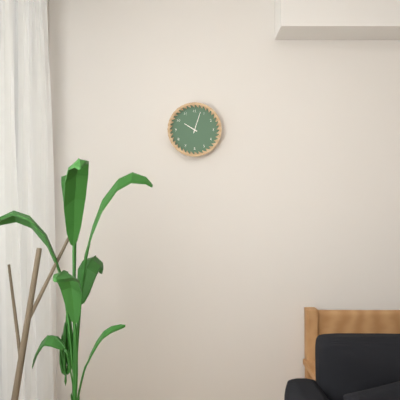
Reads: 10 h 03 min
